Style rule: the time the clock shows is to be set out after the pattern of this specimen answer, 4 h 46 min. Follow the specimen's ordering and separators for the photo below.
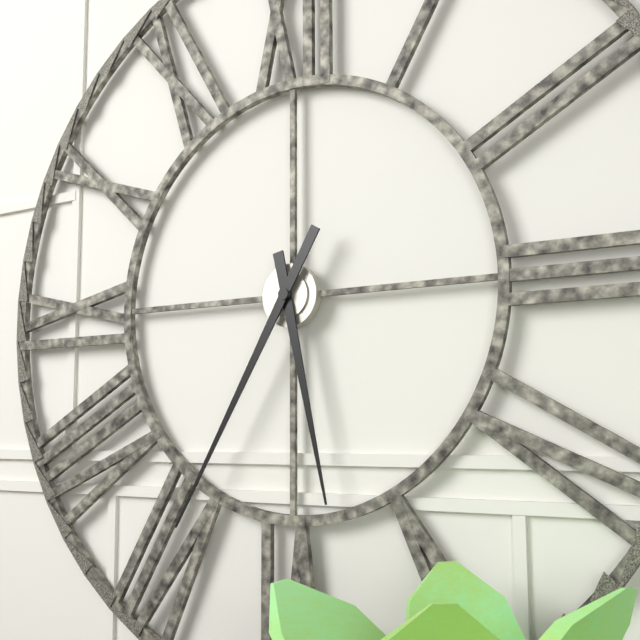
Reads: 5 h 35 min
